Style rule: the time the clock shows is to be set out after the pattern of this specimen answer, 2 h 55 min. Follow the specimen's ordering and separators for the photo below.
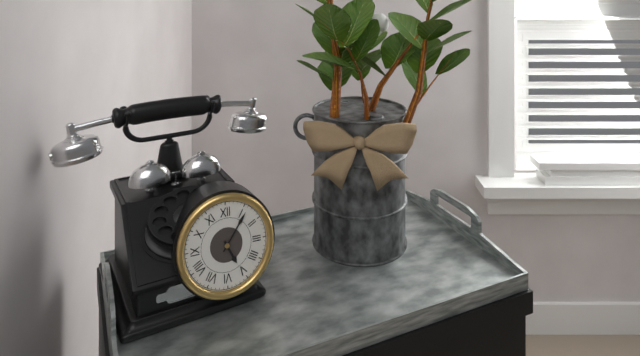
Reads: 5 h 06 min
